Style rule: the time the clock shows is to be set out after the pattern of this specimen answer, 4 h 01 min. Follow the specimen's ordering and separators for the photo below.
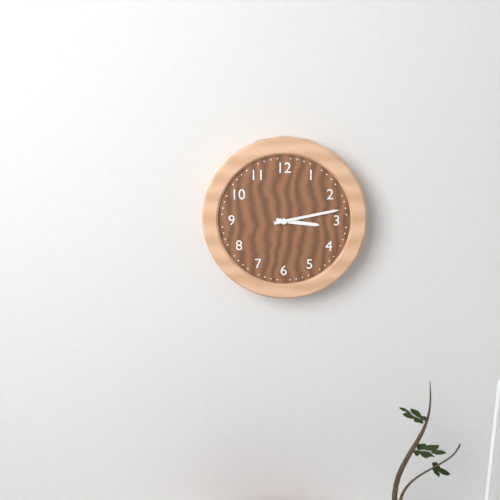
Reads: 3 h 13 min
